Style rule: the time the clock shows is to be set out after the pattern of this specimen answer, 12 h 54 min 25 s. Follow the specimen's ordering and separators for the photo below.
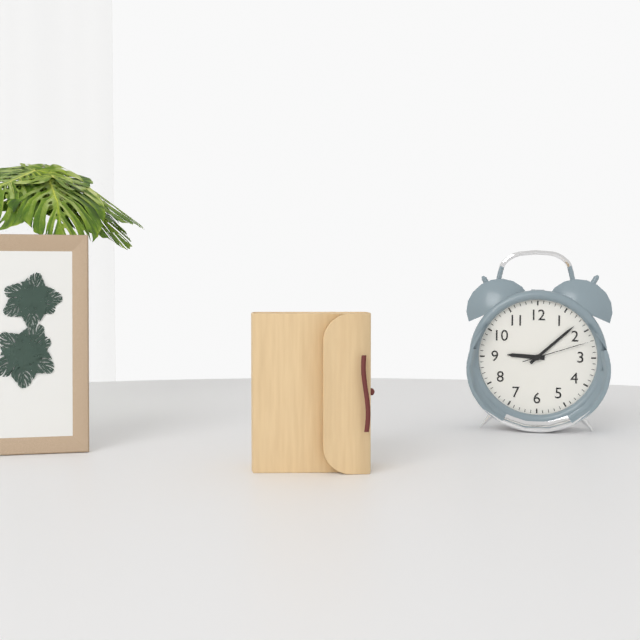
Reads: 9 h 08 min 12 s
